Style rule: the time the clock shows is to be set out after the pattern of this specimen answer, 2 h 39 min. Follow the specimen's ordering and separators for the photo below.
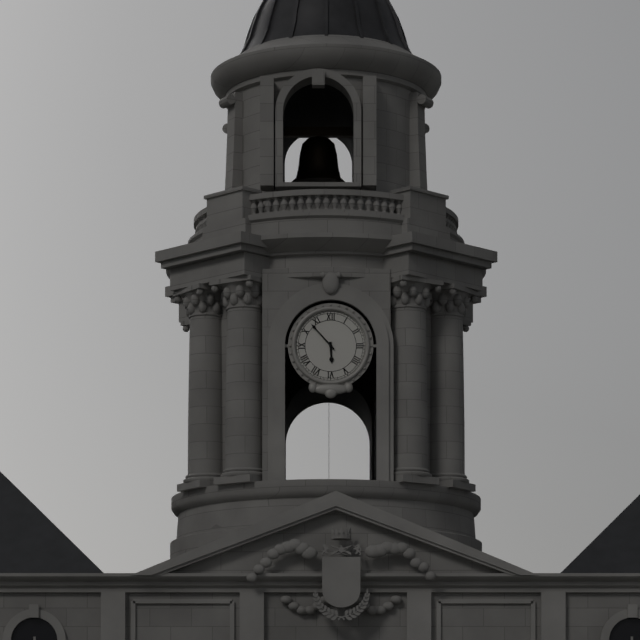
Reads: 5 h 53 min
